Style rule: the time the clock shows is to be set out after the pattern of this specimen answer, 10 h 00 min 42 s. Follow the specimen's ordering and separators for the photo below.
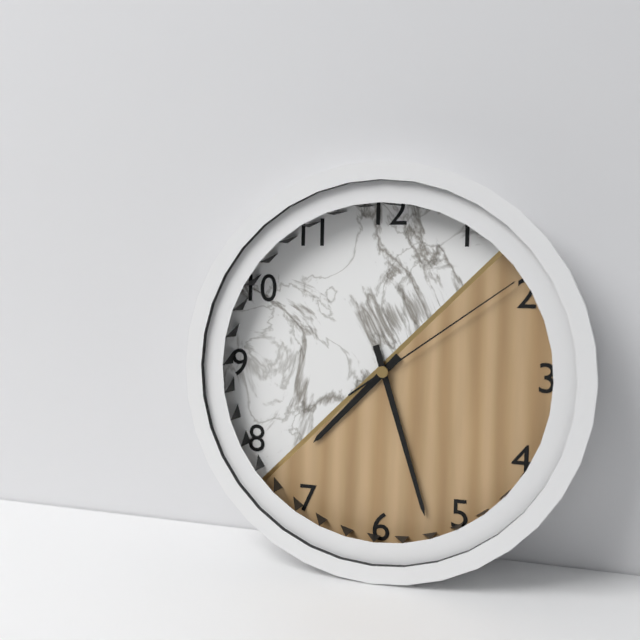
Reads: 7 h 27 min 09 s
